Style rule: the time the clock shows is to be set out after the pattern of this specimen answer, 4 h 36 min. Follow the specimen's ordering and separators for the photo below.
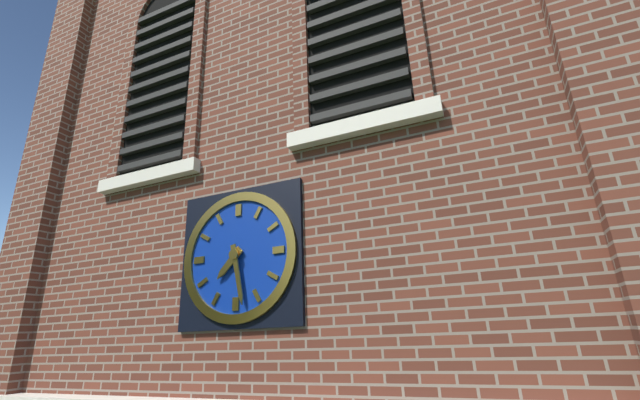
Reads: 7 h 28 min
